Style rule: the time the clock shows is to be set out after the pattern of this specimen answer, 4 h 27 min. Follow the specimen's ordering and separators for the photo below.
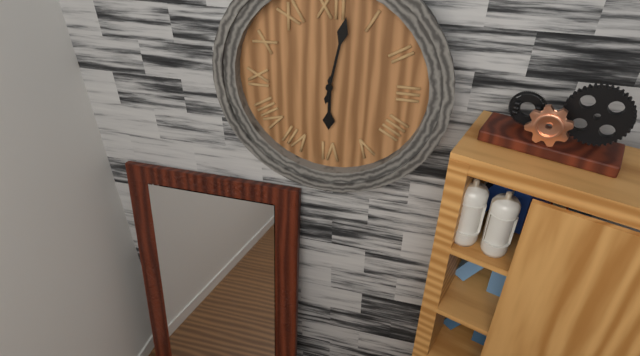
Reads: 6 h 02 min
